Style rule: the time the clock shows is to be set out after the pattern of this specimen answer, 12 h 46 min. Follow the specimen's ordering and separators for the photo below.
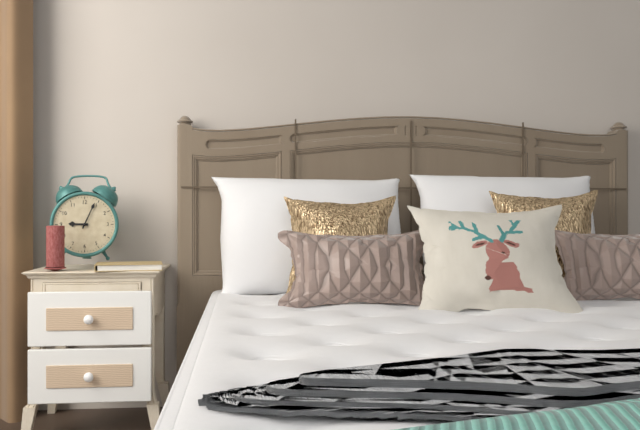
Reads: 9 h 04 min
